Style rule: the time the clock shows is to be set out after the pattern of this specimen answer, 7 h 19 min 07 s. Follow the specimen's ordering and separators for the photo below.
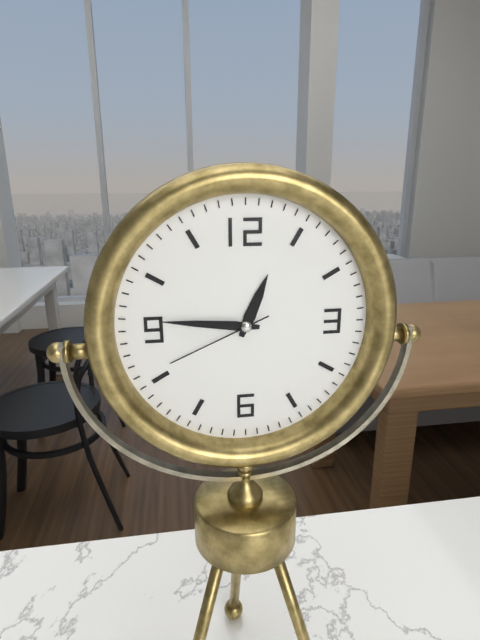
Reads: 12 h 46 min 41 s
